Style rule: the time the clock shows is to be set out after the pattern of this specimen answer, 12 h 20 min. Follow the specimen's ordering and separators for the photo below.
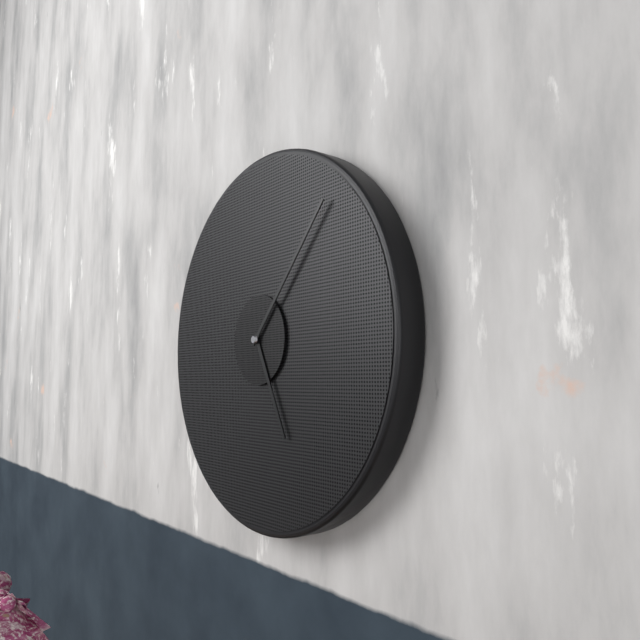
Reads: 5 h 07 min
